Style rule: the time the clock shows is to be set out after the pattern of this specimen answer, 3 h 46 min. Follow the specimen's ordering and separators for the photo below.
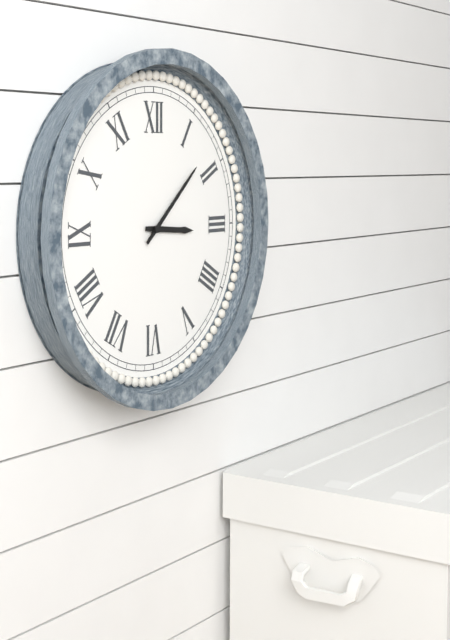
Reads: 3 h 08 min
